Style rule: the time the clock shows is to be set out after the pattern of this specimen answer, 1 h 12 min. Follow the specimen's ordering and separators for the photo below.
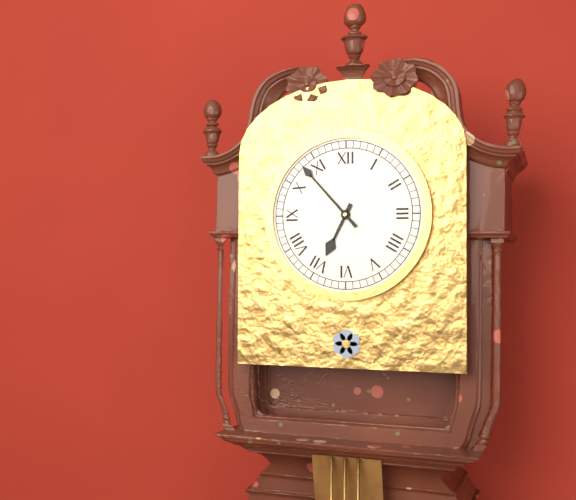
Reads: 6 h 53 min
